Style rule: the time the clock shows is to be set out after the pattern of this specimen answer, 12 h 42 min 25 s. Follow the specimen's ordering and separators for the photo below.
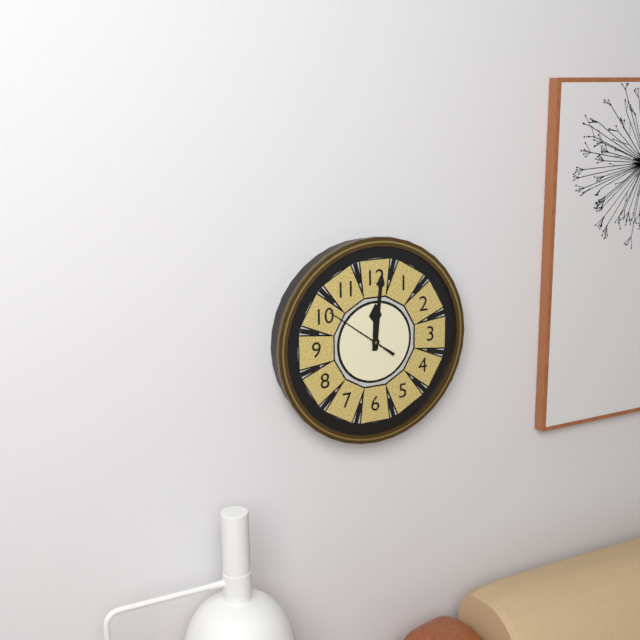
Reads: 12 h 01 min 51 s
